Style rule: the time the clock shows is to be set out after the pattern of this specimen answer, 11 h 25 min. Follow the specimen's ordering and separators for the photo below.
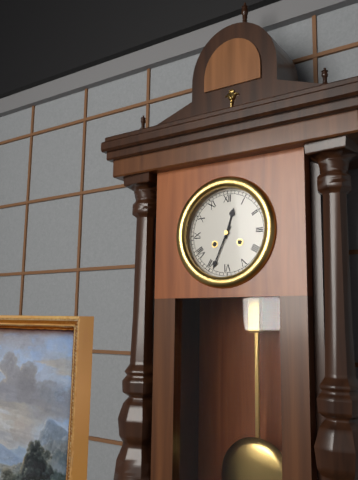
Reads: 12 h 34 min
